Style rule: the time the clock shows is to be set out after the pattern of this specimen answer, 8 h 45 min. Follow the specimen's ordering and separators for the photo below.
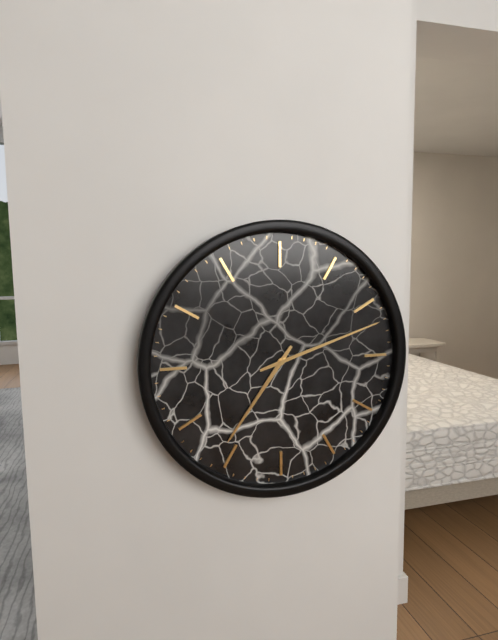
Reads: 7 h 12 min
